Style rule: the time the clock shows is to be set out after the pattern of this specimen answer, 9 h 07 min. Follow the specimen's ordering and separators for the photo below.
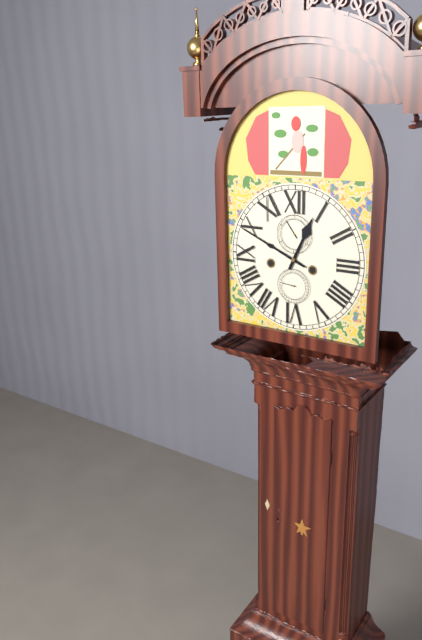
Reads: 12 h 49 min
